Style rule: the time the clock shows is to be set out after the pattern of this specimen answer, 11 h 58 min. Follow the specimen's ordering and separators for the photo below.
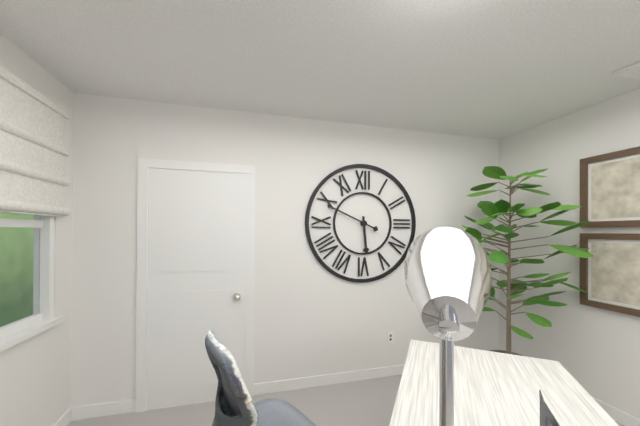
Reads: 5 h 49 min
